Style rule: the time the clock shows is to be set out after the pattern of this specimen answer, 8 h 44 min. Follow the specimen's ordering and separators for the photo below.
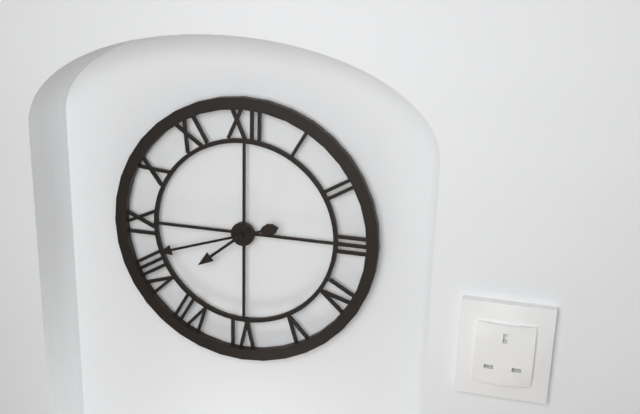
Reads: 7 h 42 min
